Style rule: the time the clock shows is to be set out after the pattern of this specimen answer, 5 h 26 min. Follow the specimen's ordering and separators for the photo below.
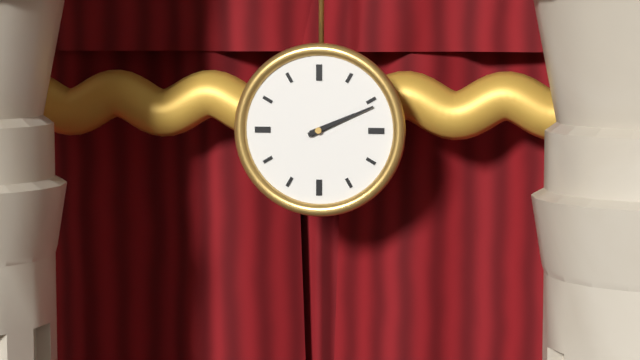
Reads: 2 h 11 min
